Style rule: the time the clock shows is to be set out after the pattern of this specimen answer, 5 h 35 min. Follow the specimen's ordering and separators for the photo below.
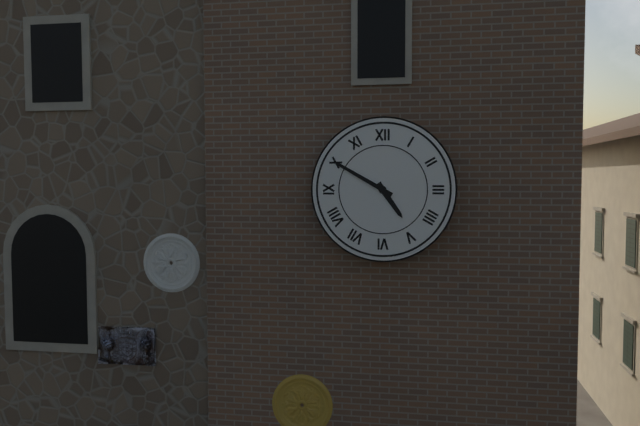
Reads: 4 h 50 min
